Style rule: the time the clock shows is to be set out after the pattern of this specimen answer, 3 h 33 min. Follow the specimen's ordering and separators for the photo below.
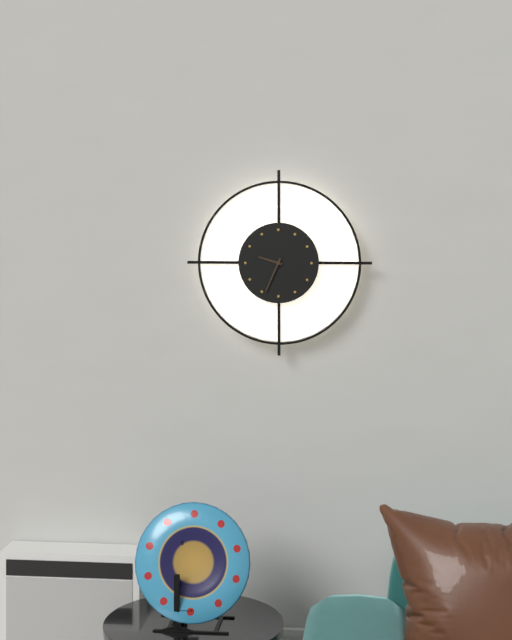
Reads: 9 h 34 min
